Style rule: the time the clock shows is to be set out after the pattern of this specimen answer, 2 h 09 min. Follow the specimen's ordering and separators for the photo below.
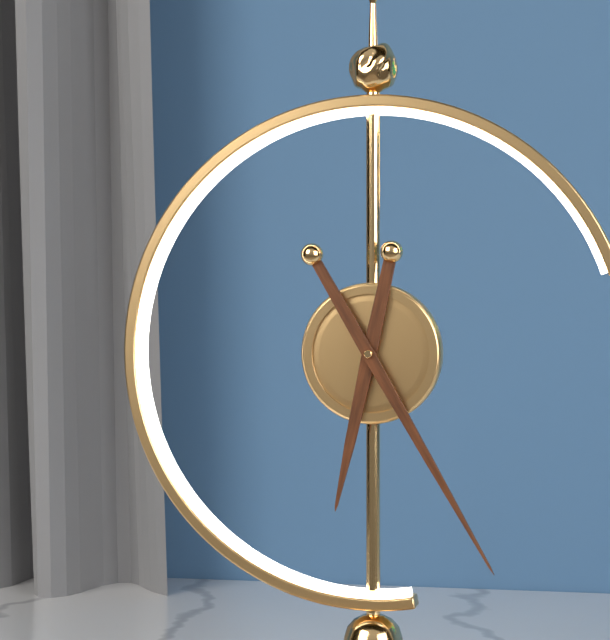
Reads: 6 h 25 min
